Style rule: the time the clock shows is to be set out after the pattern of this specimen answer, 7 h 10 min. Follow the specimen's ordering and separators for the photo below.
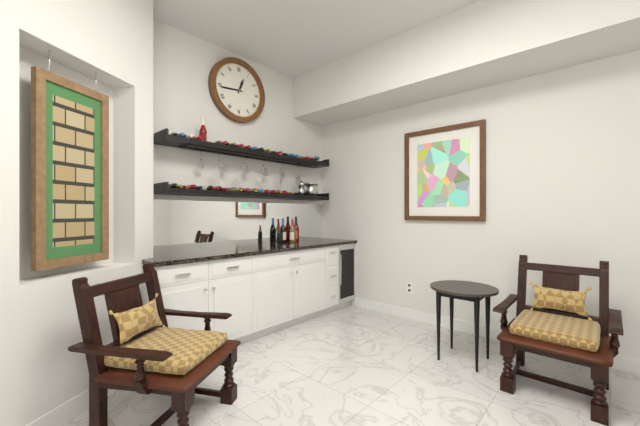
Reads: 12 h 44 min
